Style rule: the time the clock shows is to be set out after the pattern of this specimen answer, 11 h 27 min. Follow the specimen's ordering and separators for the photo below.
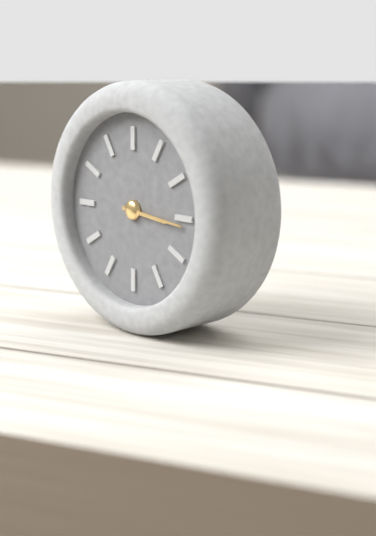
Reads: 3 h 16 min
